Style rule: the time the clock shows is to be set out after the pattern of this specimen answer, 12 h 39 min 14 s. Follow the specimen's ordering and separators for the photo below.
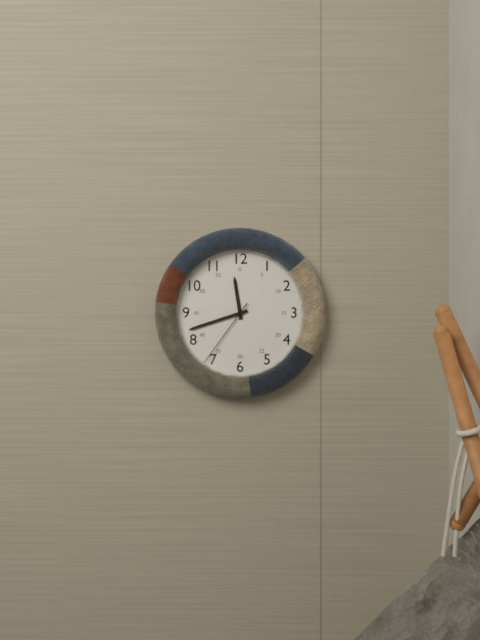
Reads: 11 h 42 min 36 s
